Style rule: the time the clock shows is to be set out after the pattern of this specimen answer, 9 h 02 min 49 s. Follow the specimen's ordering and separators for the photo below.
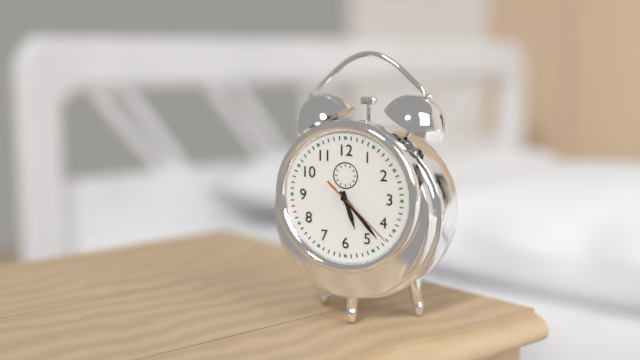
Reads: 5 h 23 min 22 s
